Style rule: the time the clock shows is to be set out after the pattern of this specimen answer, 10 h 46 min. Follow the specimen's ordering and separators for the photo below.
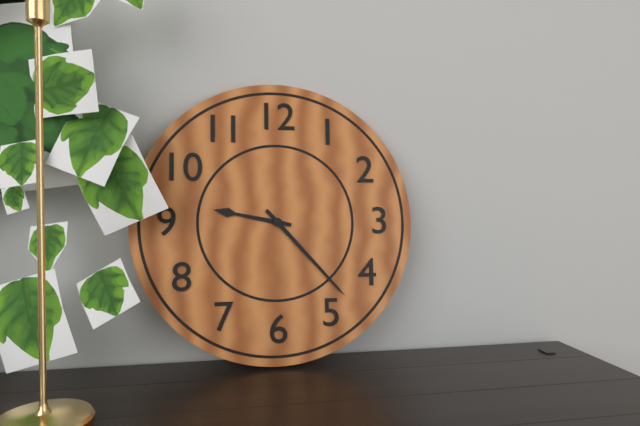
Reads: 9 h 23 min
